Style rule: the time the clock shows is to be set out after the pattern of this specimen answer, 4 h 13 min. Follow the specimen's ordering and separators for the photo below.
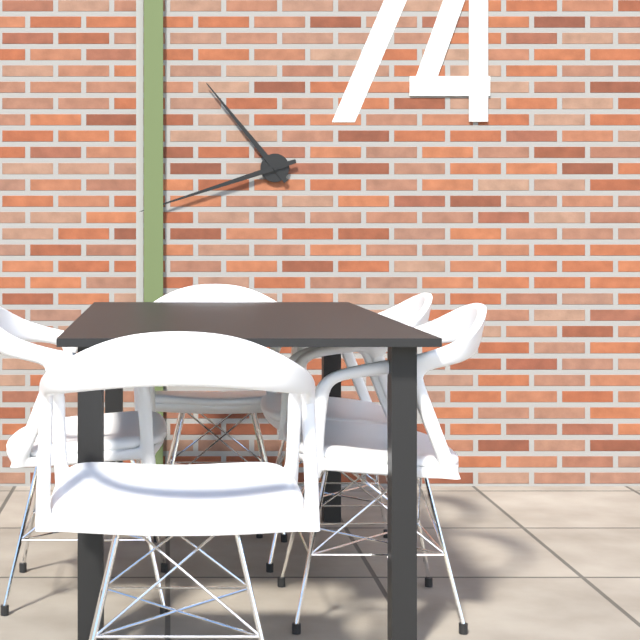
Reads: 10 h 42 min
